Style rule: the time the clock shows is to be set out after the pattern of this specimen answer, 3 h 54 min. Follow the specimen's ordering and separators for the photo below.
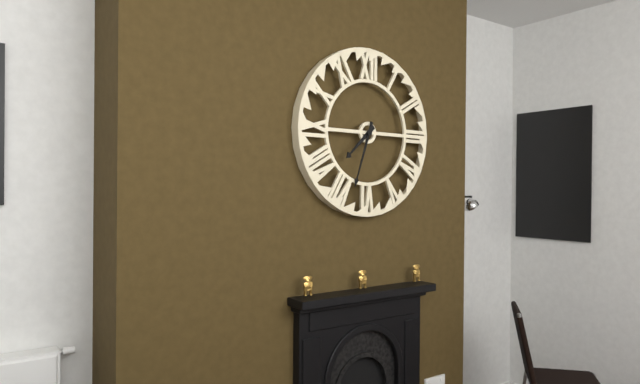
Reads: 7 h 33 min
